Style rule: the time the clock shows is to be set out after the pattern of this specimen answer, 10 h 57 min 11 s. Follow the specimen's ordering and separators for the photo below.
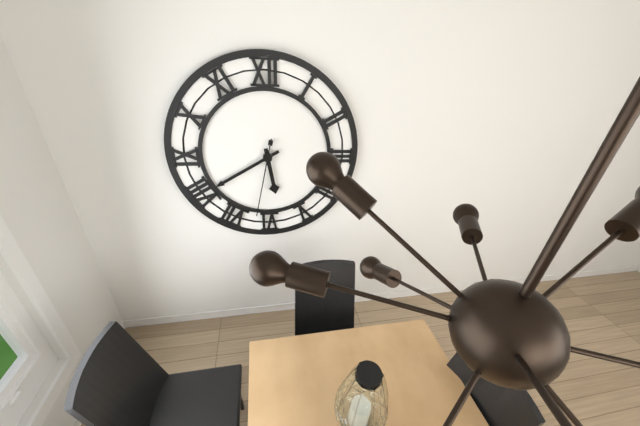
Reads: 5 h 40 min 32 s
